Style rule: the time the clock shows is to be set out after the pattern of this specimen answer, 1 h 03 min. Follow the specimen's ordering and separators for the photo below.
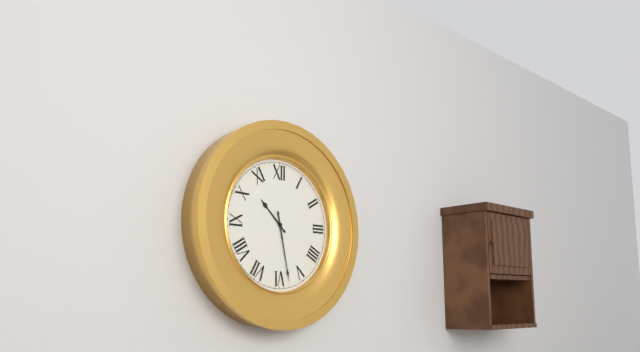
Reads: 10 h 28 min
